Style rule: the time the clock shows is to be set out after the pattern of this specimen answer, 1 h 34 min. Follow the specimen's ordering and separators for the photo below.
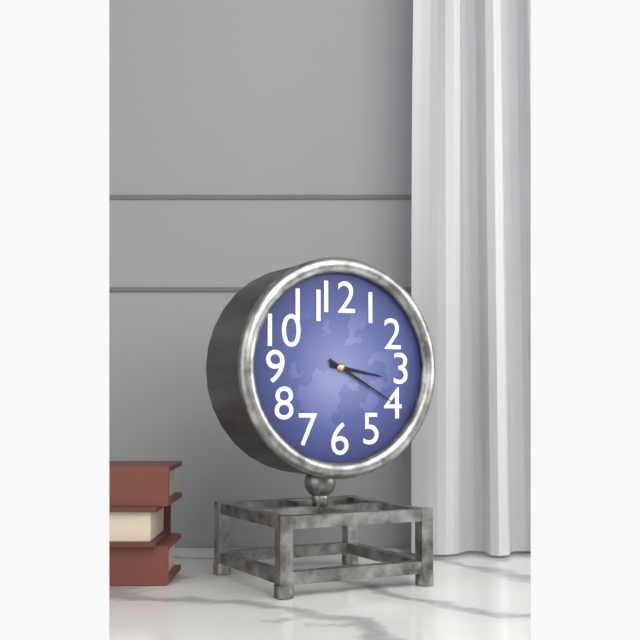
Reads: 3 h 20 min
